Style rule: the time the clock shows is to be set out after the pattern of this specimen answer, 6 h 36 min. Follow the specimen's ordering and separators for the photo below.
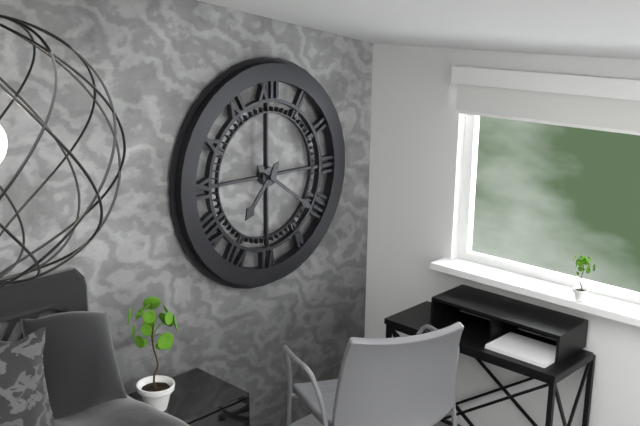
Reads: 7 h 21 min
